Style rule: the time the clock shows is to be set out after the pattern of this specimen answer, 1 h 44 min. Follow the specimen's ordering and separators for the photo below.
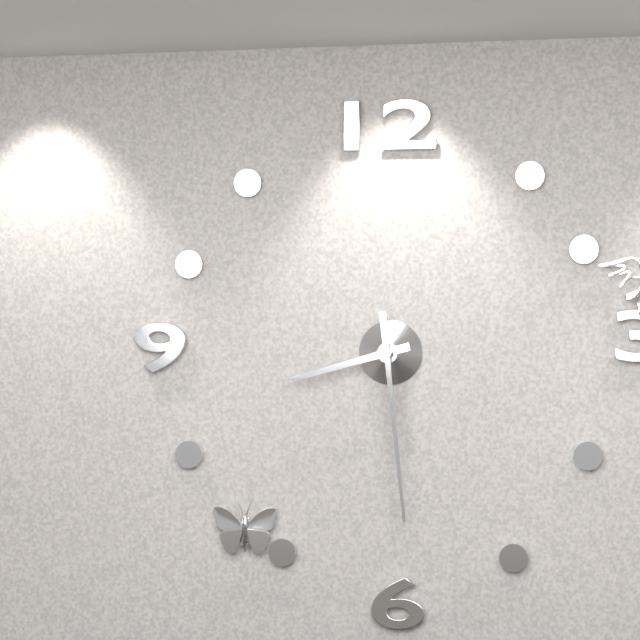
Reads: 8 h 29 min
